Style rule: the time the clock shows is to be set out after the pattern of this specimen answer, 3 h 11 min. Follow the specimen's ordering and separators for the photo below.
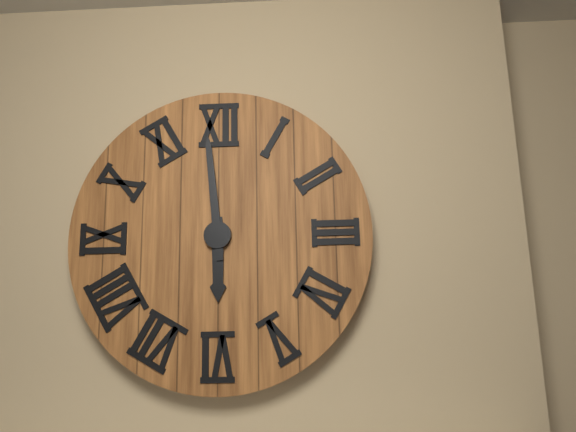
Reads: 5 h 59 min
